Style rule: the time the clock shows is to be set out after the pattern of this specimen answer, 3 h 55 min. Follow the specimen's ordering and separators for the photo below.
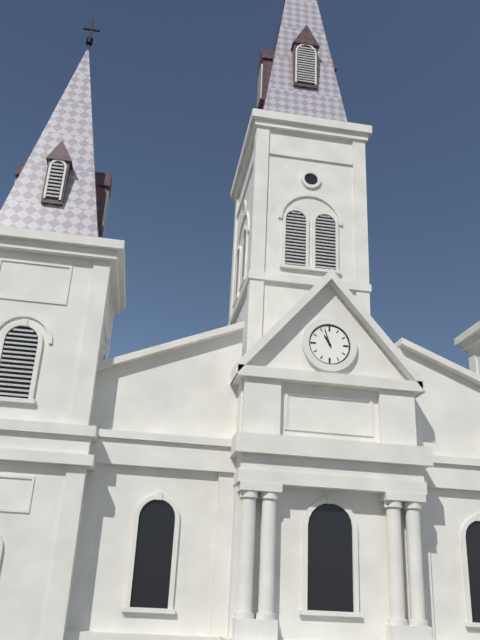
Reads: 10 h 57 min
